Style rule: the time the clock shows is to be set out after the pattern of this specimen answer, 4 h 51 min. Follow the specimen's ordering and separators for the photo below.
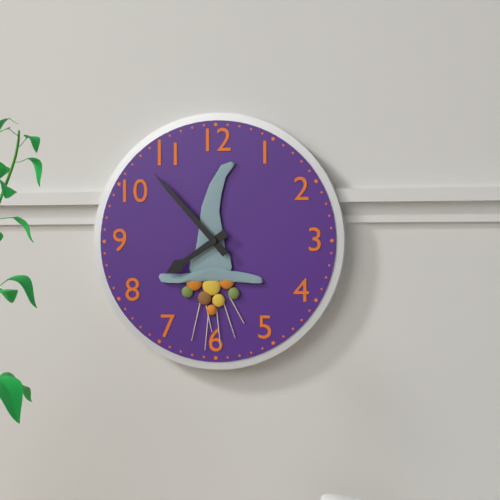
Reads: 7 h 53 min
